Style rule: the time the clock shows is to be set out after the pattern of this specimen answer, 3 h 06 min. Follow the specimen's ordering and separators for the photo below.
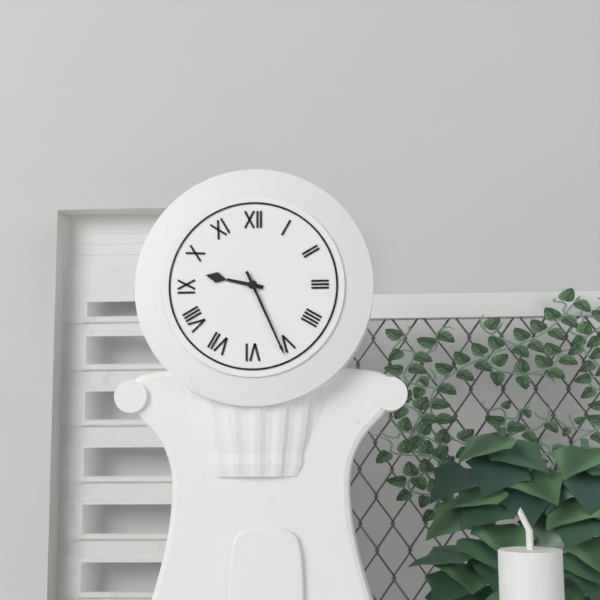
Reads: 9 h 26 min
